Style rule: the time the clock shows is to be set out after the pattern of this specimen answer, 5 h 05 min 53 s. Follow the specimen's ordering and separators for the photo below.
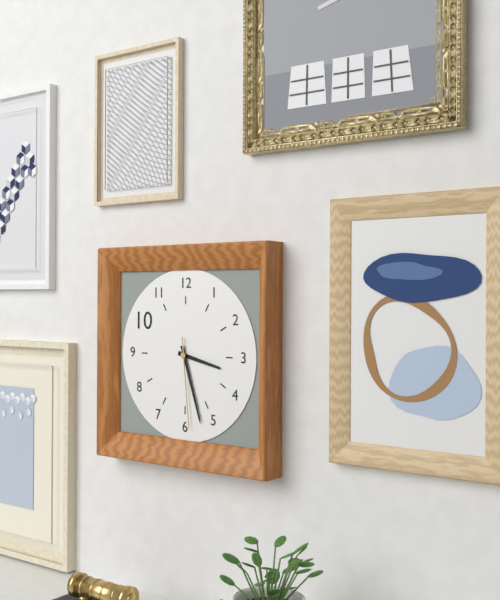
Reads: 3 h 27 min 29 s
